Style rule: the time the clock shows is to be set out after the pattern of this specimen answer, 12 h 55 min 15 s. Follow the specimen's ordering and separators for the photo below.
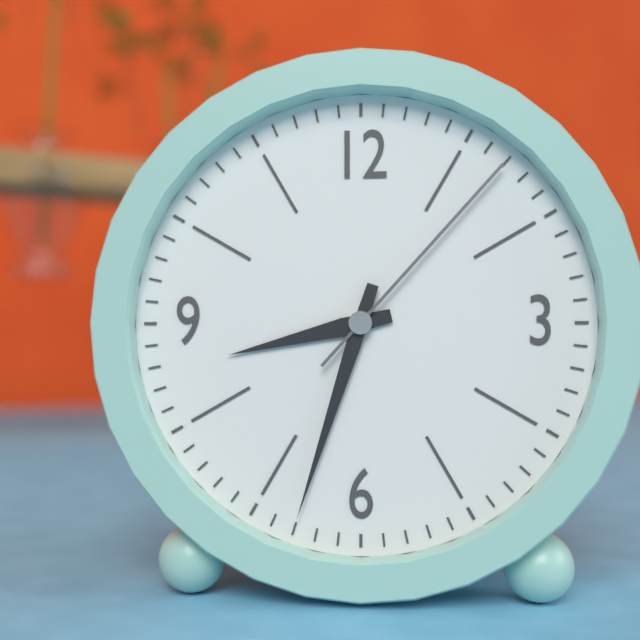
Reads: 8 h 33 min 07 s
